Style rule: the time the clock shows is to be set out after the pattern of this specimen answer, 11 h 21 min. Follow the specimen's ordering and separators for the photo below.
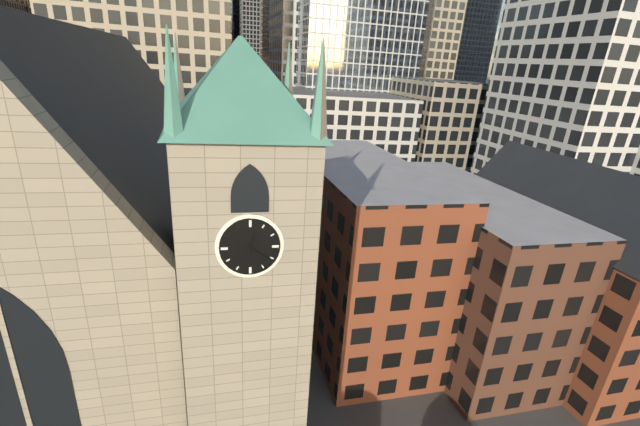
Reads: 12 h 21 min
